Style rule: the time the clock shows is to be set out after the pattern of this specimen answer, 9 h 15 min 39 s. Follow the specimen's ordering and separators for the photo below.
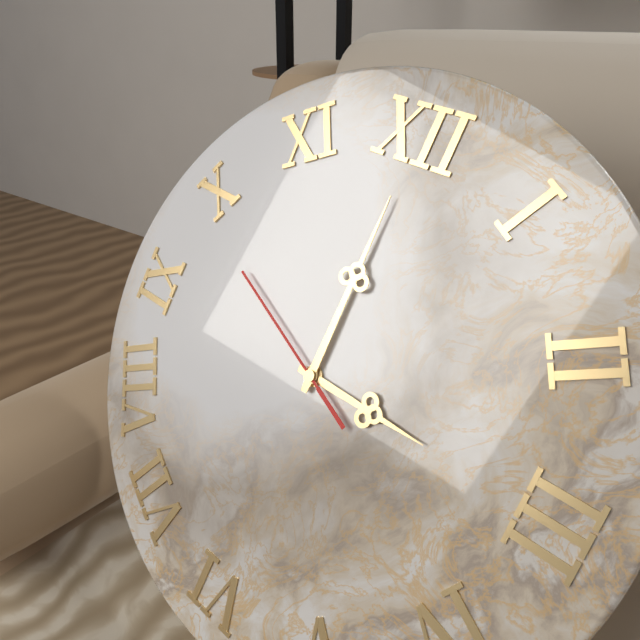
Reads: 3 h 00 min 49 s
